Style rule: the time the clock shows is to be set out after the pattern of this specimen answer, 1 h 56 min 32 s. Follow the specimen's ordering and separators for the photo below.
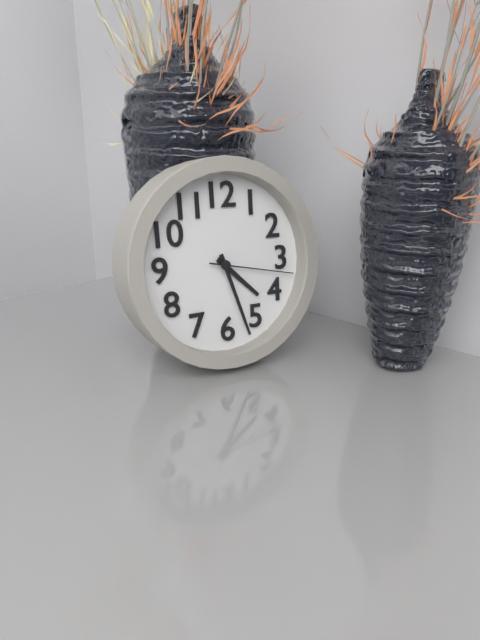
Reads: 4 h 27 min 17 s
